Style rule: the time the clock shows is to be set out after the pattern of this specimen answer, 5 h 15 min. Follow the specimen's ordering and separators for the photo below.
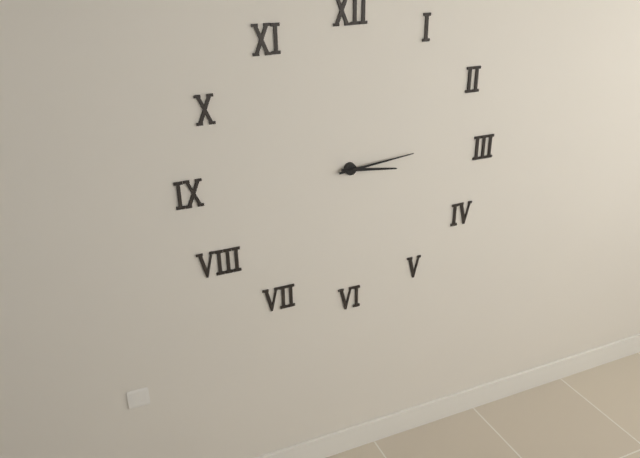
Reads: 3 h 14 min
